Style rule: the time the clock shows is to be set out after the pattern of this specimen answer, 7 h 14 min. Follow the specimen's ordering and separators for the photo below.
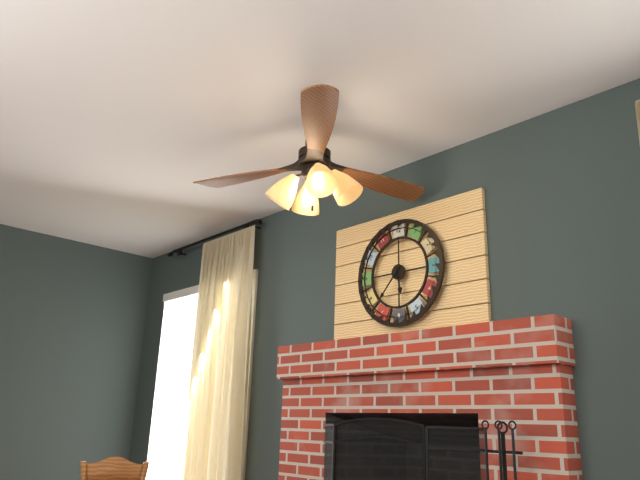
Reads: 5 h 37 min
